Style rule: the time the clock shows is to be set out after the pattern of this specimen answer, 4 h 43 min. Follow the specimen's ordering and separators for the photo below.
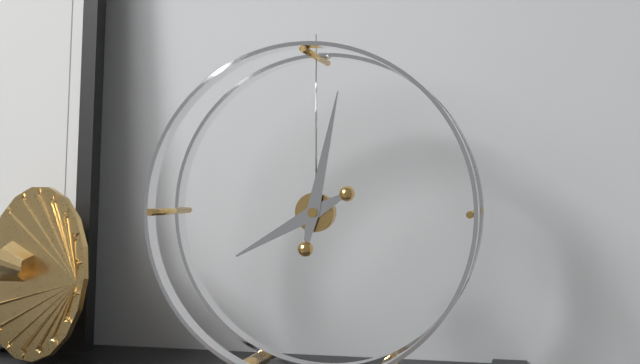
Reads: 8 h 02 min
